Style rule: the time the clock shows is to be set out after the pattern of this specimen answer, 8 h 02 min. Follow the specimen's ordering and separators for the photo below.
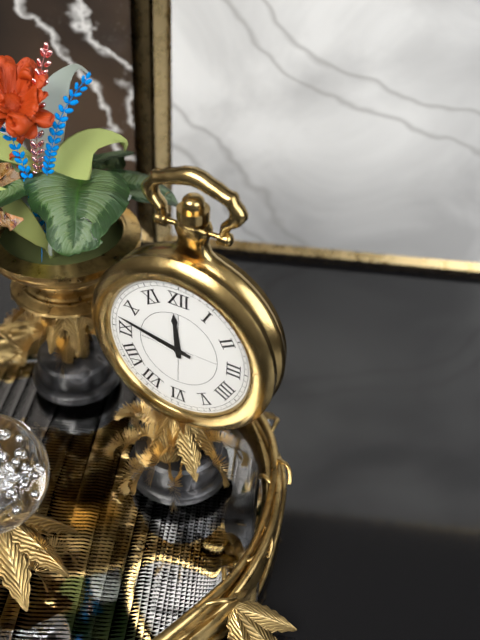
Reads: 11 h 47 min
